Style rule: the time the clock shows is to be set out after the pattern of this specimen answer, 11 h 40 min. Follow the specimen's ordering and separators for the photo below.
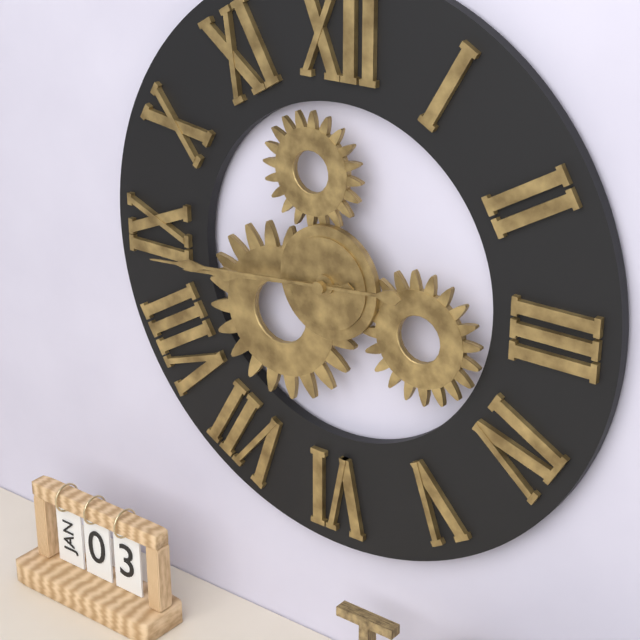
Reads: 8 h 44 min
